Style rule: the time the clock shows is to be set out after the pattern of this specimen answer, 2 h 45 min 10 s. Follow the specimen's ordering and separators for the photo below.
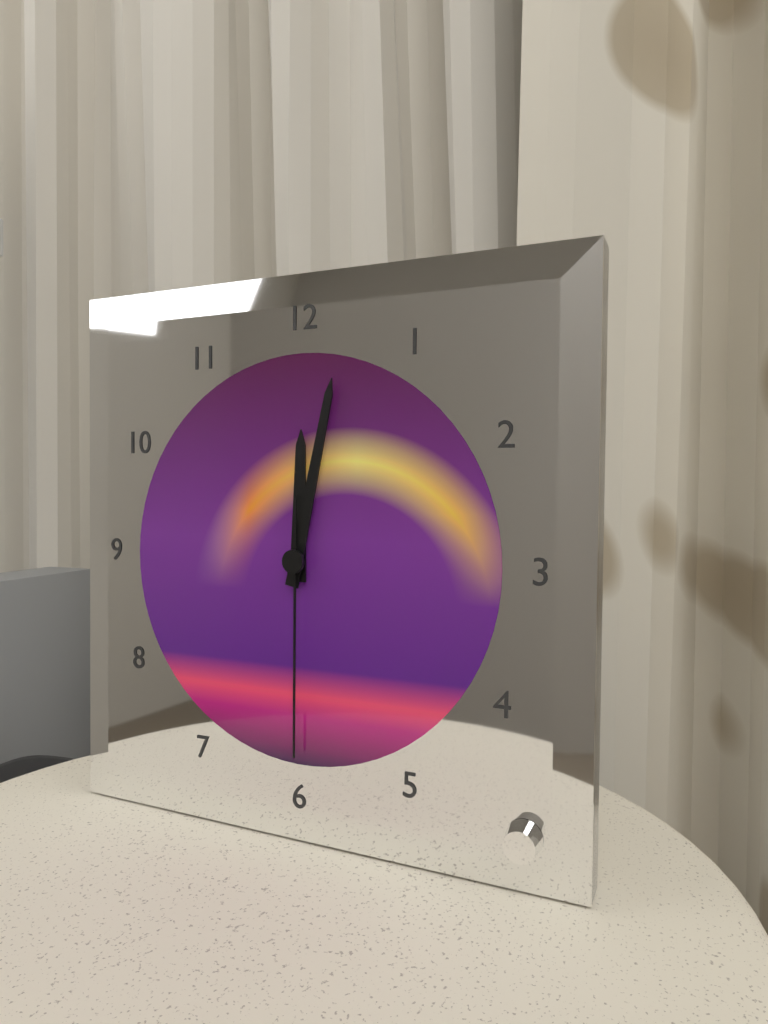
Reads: 12 h 02 min 30 s
